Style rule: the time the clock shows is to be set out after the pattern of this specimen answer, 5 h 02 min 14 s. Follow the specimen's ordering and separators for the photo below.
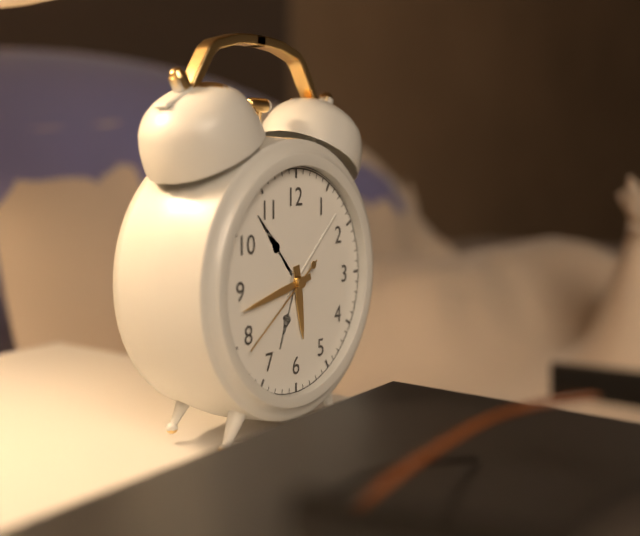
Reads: 5 h 43 min 39 s
